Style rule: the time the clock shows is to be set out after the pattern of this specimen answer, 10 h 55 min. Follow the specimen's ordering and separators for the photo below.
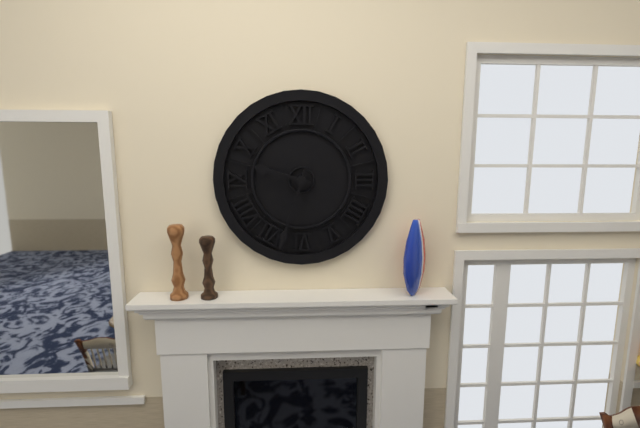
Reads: 9 h 33 min
